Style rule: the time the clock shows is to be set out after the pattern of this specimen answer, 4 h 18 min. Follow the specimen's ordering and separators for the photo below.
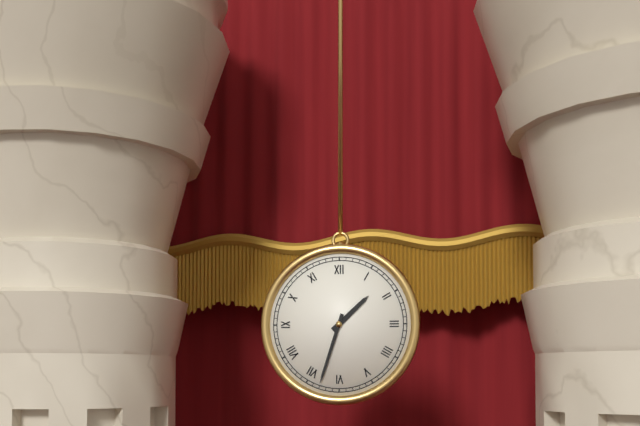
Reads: 1 h 33 min
